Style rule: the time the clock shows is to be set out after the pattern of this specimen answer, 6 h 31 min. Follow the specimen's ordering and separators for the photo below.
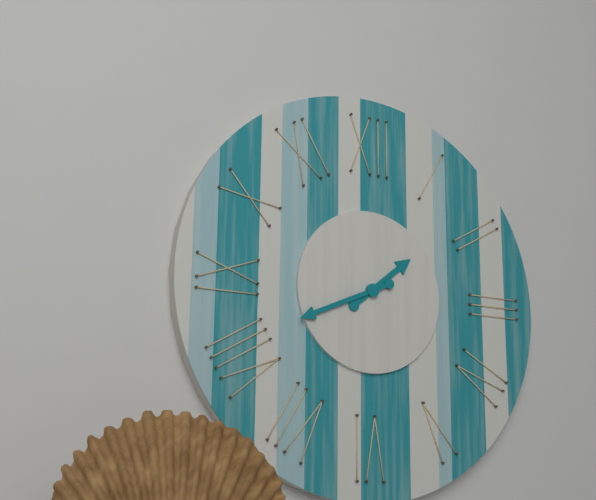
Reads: 1 h 41 min
